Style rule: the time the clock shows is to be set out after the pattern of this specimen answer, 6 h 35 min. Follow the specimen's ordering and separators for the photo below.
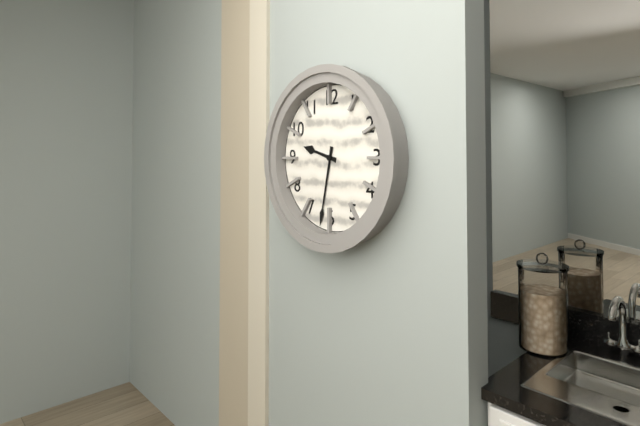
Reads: 9 h 32 min
